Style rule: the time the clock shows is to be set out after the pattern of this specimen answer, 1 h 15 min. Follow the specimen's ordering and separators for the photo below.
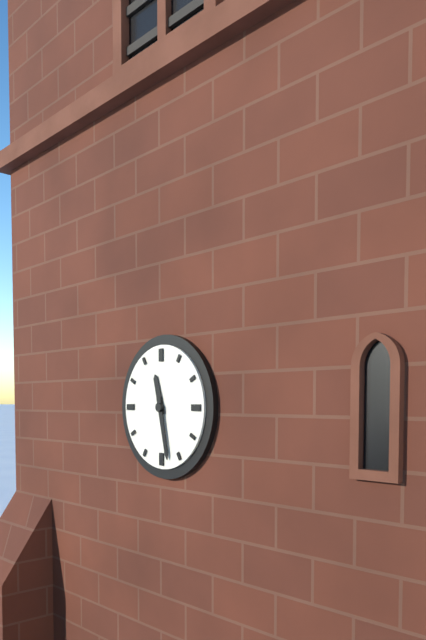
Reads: 11 h 28 min
